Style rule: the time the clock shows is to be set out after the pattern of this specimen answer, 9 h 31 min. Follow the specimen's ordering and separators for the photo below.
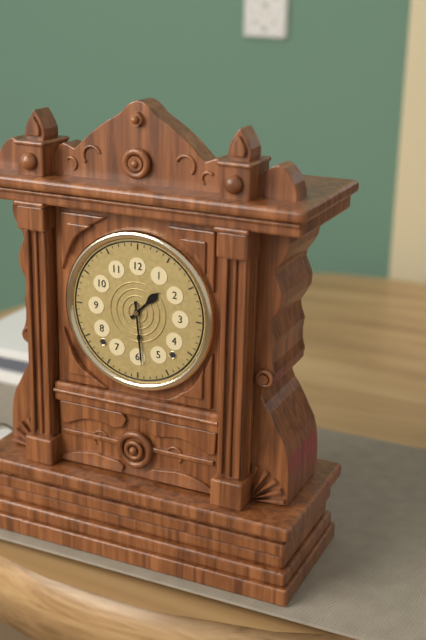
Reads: 1 h 29 min
